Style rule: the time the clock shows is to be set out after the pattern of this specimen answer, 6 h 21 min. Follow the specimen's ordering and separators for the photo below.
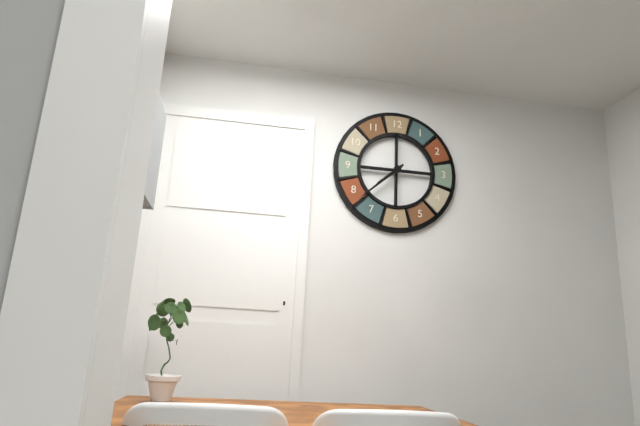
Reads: 7 h 38 min
